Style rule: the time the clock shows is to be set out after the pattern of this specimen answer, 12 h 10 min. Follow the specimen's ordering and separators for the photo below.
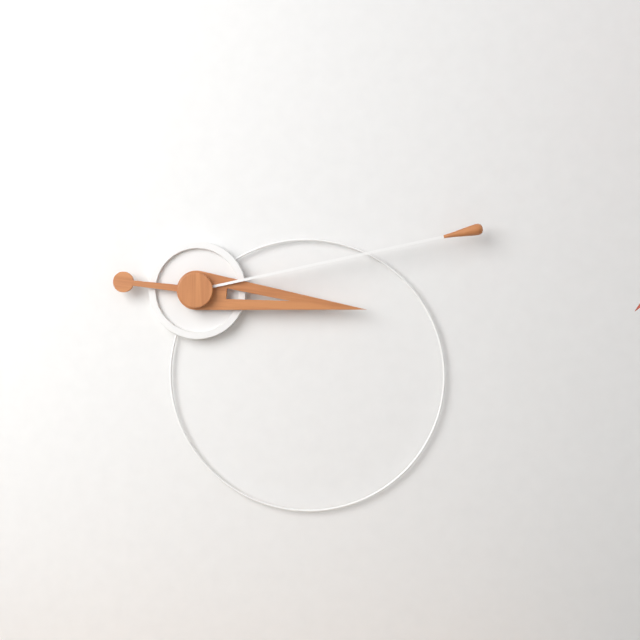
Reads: 3 h 13 min
